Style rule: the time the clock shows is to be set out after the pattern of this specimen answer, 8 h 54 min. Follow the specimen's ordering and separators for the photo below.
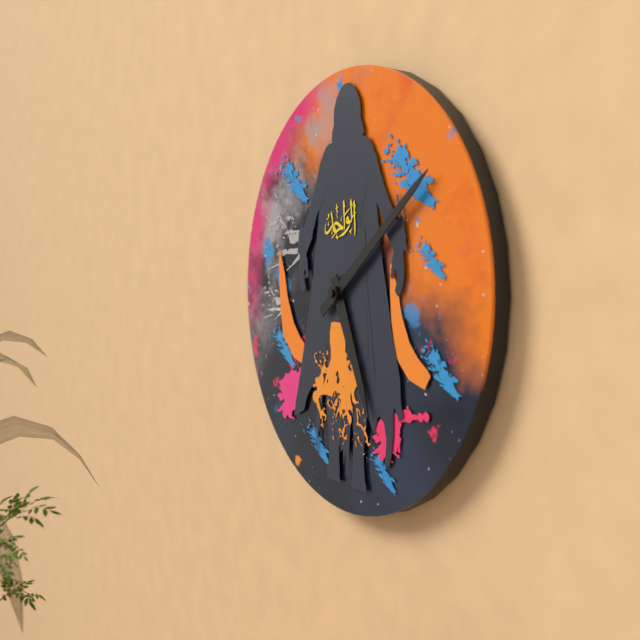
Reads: 5 h 09 min
